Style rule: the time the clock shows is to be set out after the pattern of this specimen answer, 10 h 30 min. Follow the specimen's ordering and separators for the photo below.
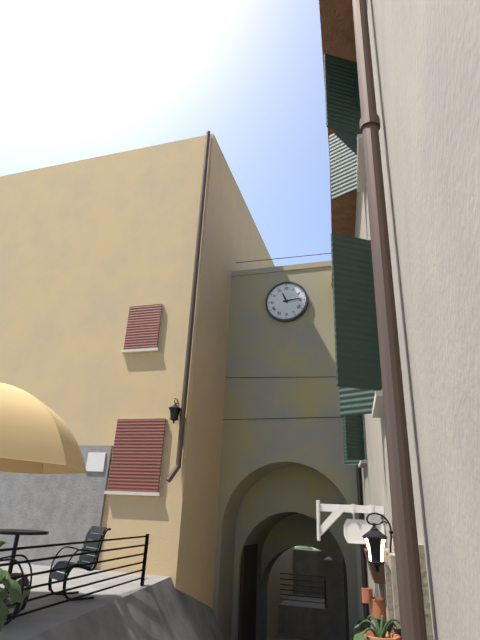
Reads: 11 h 14 min
